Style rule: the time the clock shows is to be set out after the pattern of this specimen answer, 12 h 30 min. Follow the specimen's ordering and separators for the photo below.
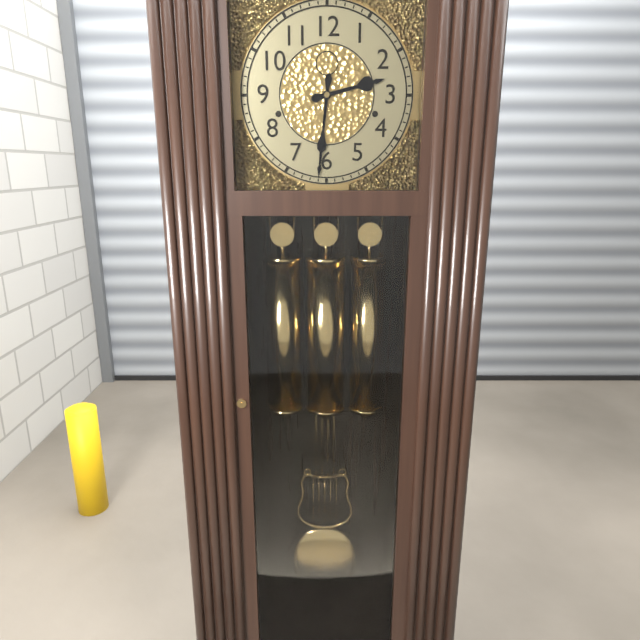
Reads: 2 h 31 min
